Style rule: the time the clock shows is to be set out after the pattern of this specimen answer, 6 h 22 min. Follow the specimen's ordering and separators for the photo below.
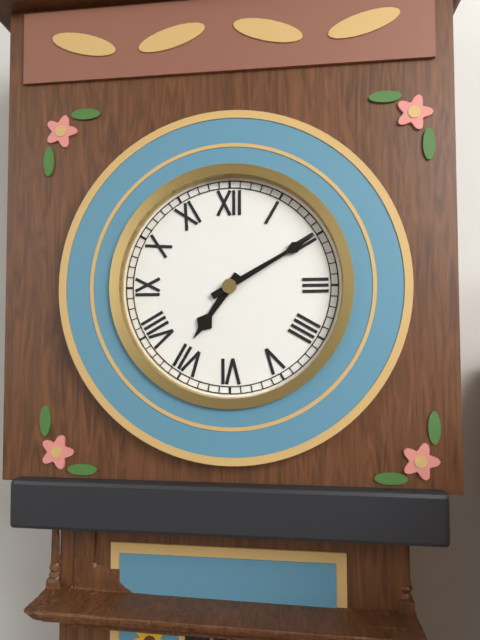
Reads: 7 h 10 min
